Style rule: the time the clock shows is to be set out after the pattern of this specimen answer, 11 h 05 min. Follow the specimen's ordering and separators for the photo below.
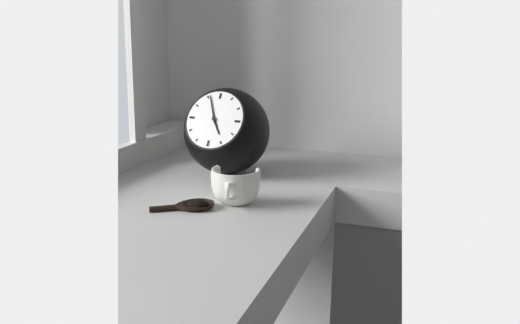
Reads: 4 h 56 min
